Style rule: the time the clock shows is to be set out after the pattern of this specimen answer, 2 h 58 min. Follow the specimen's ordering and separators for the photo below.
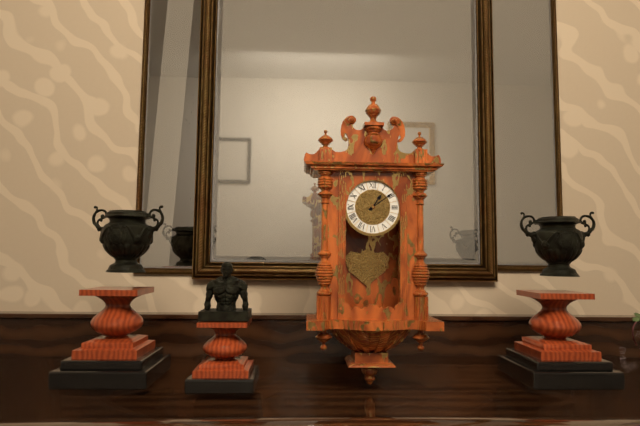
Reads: 1 h 09 min
